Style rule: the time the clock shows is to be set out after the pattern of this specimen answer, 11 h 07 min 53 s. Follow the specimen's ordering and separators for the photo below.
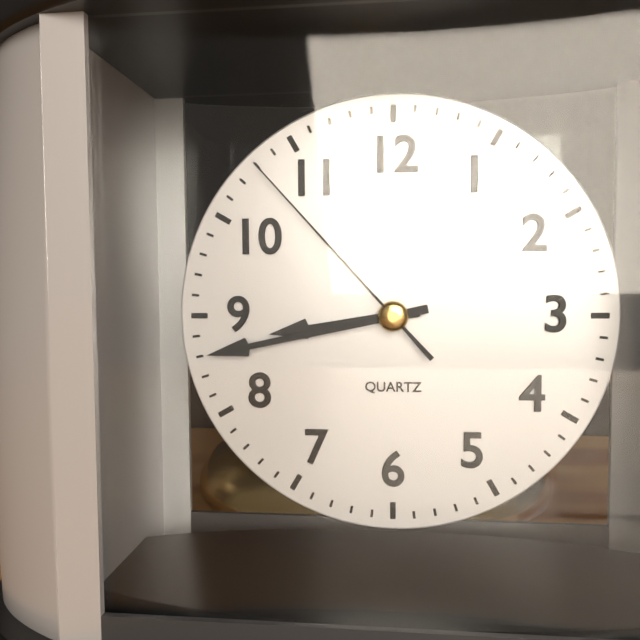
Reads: 8 h 43 min 53 s
